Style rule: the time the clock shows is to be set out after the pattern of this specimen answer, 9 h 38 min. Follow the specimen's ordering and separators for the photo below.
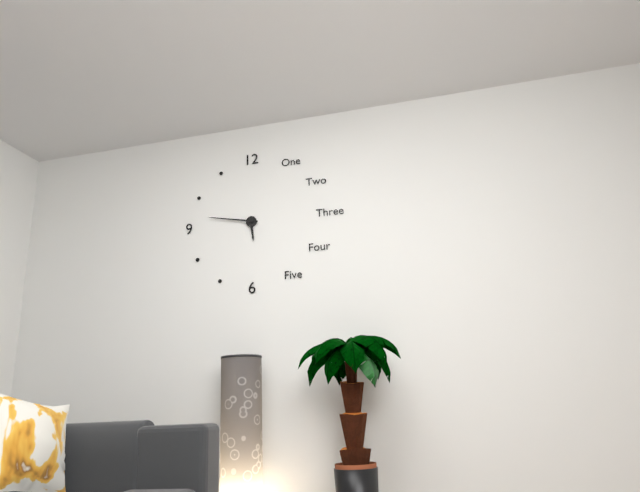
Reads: 5 h 47 min
